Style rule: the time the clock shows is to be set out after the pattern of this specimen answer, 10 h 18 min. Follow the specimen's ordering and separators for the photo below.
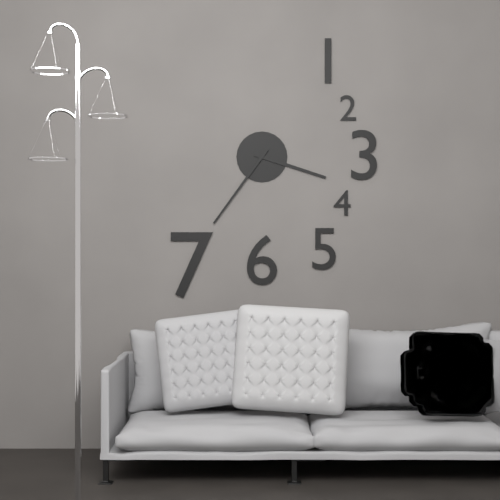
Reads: 3 h 36 min
